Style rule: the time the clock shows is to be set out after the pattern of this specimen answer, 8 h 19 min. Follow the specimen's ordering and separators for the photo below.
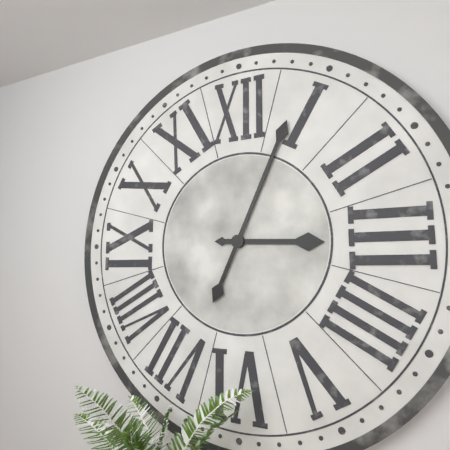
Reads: 3 h 04 min
